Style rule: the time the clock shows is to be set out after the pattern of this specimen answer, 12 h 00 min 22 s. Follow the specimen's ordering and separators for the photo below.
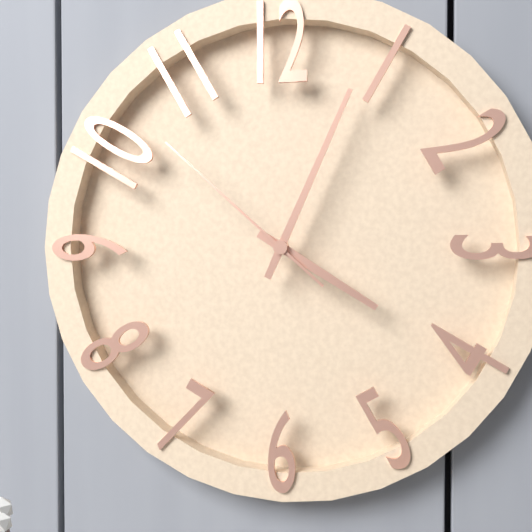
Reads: 4 h 04 min 52 s
